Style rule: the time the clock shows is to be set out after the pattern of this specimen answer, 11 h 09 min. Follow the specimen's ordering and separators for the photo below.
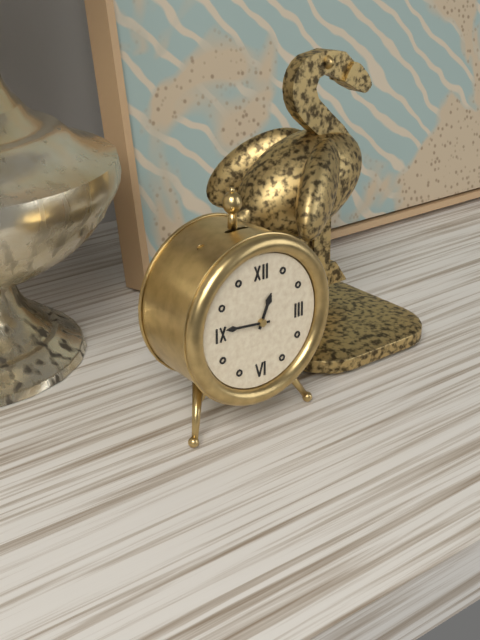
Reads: 12 h 46 min
